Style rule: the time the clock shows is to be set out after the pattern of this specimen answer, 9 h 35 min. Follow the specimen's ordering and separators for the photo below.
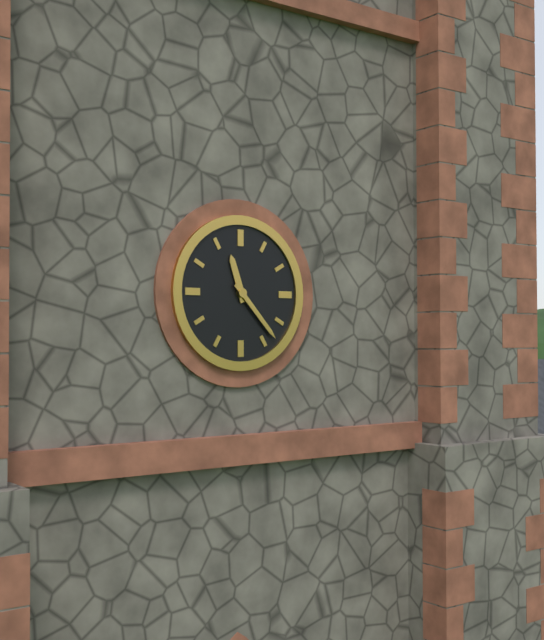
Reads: 11 h 23 min
